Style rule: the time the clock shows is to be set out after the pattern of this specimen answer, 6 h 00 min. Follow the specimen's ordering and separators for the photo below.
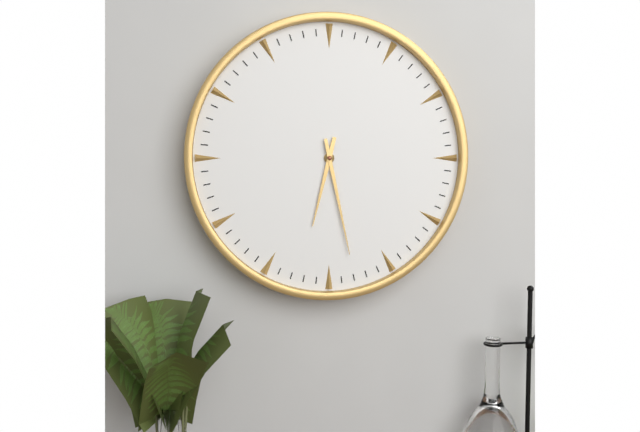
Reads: 6 h 28 min
